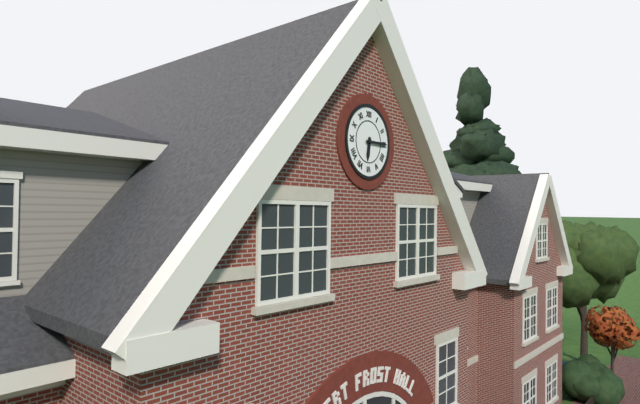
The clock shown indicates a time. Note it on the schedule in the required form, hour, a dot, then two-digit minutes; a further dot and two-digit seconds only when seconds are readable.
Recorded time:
6.15
